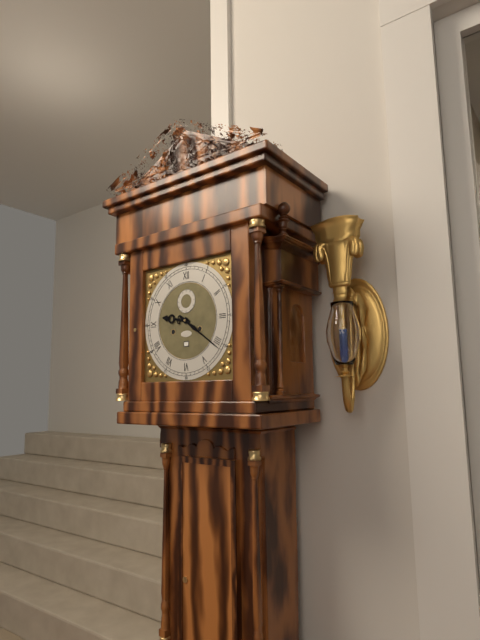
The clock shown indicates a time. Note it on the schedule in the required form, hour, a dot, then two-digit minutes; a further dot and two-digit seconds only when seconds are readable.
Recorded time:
9.21
